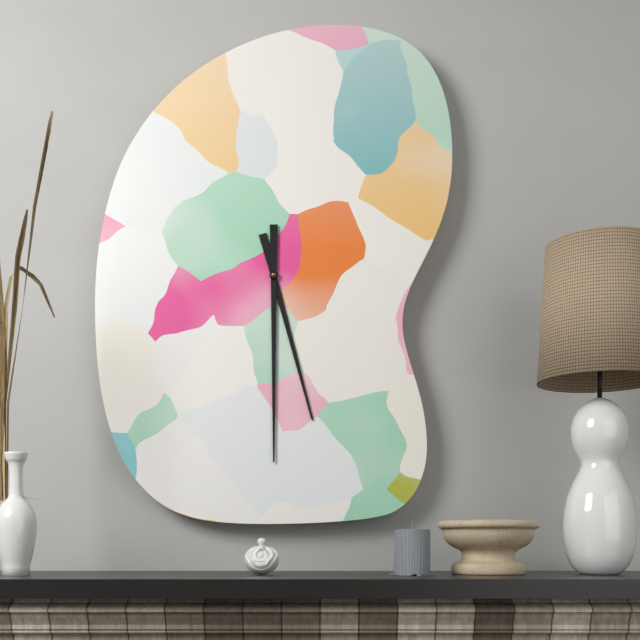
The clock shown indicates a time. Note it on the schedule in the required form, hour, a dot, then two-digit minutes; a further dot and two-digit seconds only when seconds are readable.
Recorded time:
5.30
